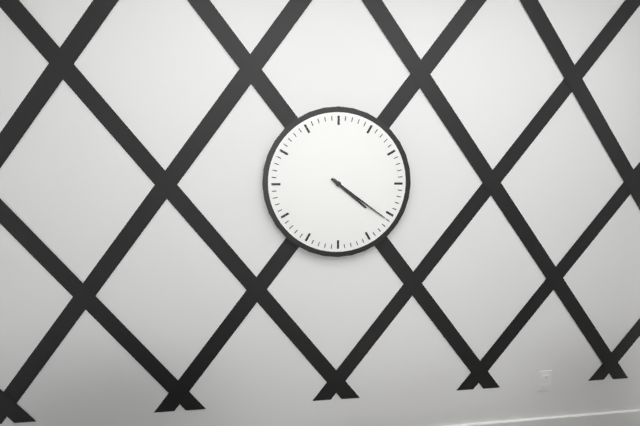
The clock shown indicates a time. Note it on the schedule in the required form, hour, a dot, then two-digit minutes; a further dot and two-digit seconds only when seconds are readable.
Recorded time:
4.21
